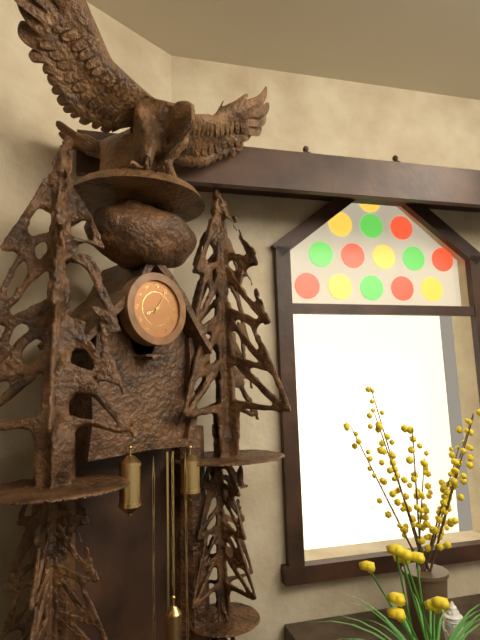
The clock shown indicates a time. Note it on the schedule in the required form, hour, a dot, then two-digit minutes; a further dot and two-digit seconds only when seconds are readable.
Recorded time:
8.05
